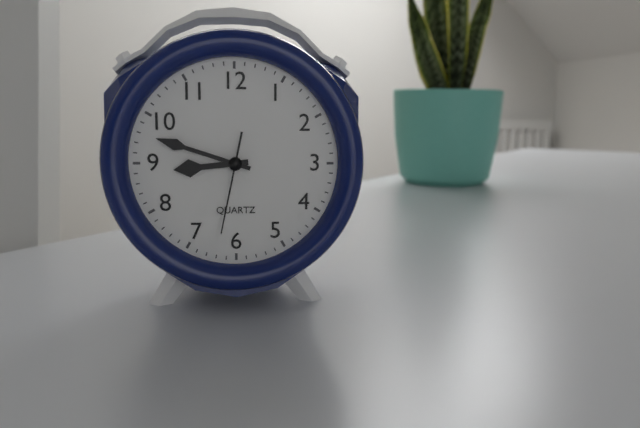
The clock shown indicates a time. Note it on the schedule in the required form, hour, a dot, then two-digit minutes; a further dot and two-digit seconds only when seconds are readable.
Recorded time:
8.48.32
